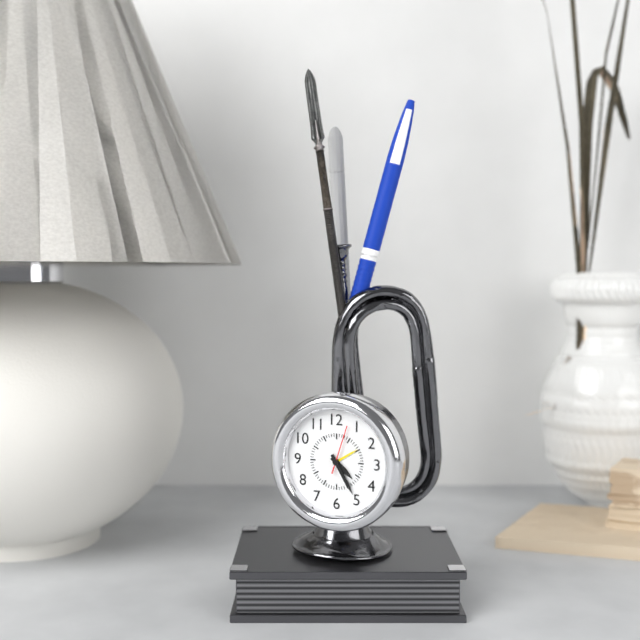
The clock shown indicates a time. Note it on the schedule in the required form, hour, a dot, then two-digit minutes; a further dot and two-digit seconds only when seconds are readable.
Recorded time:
4.25
